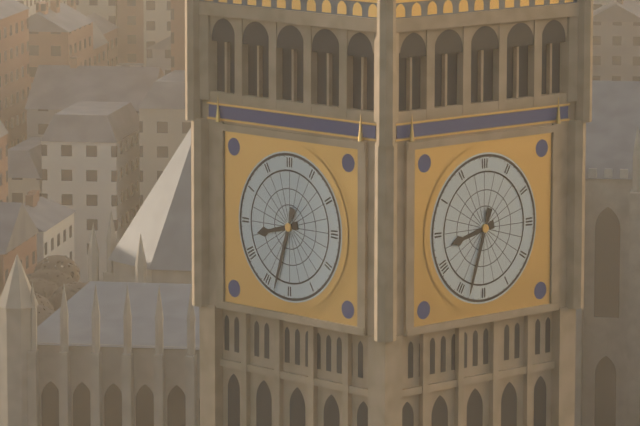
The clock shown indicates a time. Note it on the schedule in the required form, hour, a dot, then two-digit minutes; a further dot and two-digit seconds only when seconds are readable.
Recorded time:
8.33
